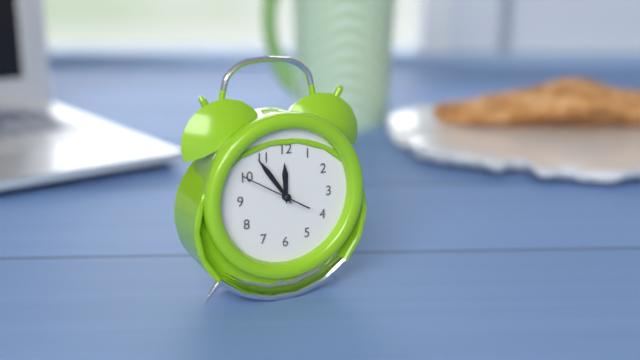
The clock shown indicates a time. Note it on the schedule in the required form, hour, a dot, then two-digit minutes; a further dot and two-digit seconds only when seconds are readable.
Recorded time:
11.54.50
